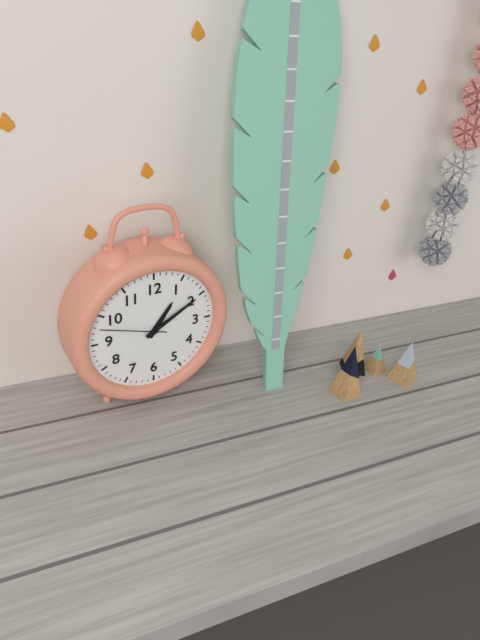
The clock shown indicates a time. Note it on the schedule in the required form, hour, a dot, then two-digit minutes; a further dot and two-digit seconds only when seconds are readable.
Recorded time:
1.10.48
